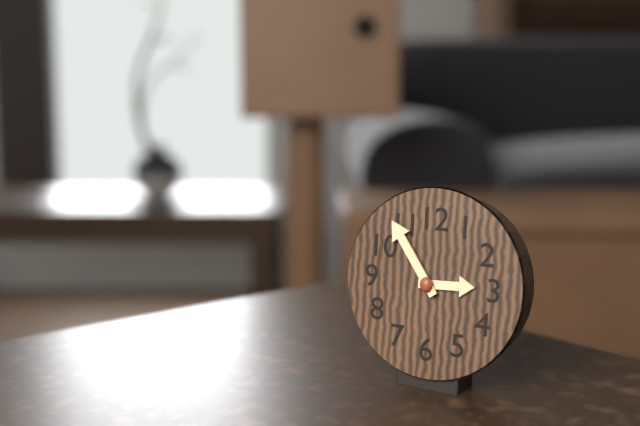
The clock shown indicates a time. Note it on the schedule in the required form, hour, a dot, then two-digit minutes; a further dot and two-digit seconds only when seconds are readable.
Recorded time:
2.54
